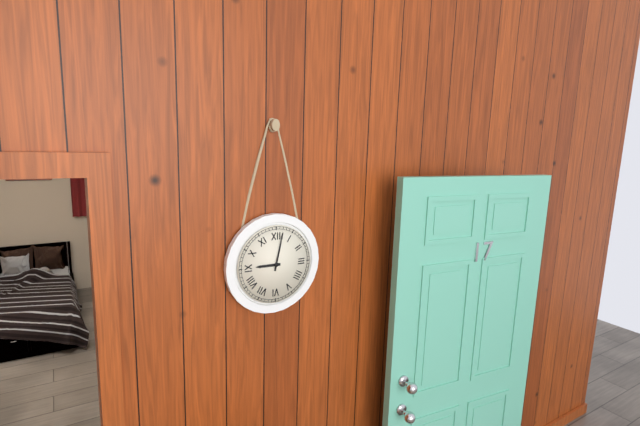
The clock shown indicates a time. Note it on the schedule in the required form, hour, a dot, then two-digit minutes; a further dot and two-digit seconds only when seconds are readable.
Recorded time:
9.02
